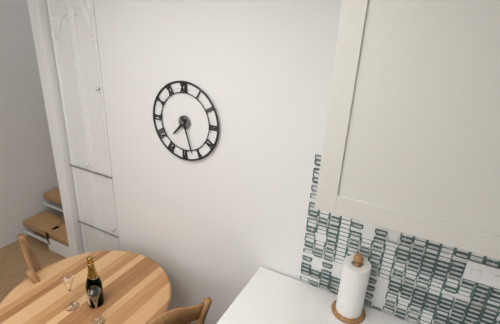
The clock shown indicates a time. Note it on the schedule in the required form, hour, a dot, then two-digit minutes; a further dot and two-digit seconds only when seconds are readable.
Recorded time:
7.27
